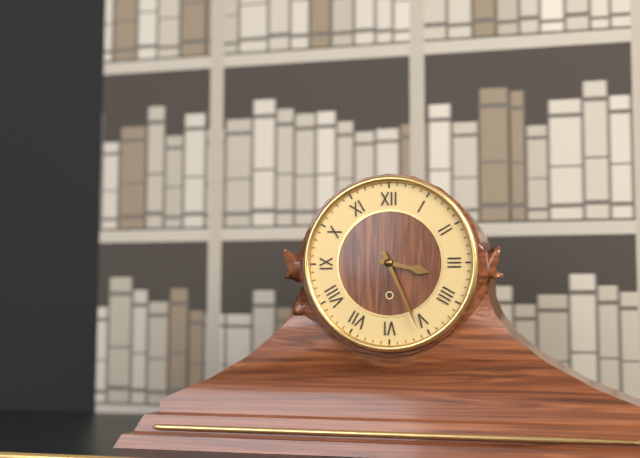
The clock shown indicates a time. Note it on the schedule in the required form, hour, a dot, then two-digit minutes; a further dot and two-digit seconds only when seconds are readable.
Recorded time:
3.26
